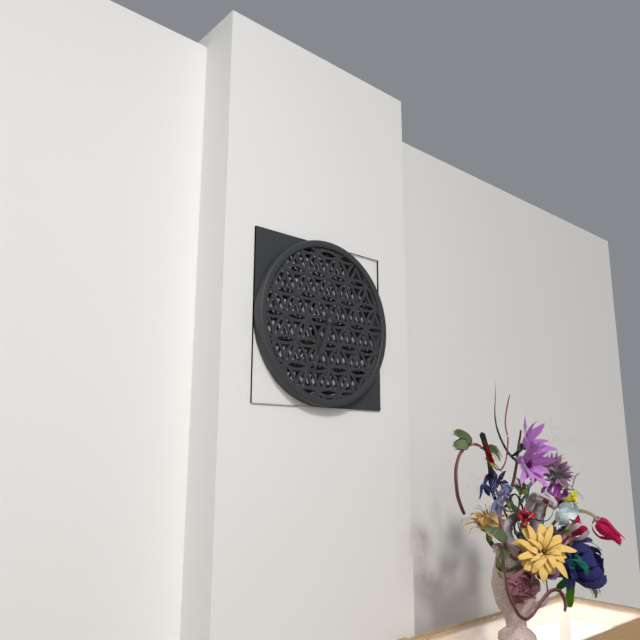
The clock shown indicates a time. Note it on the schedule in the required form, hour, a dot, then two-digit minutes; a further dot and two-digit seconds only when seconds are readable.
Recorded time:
6.34
